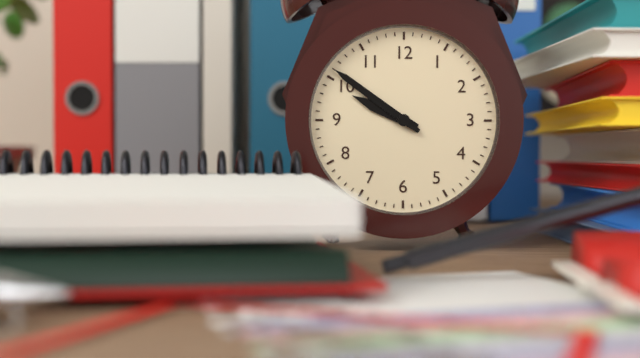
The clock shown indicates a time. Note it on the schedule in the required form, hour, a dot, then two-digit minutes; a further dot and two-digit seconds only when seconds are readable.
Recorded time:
9.51
